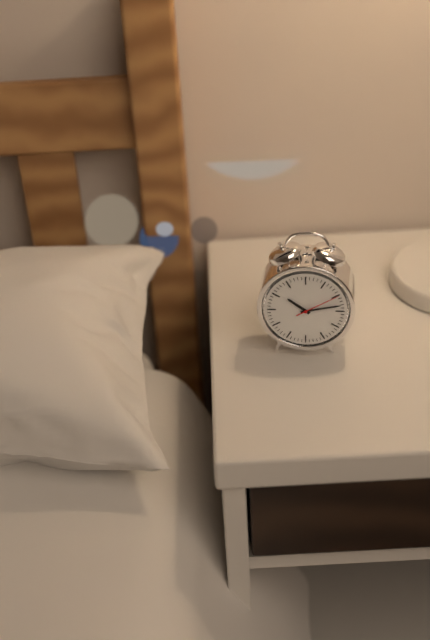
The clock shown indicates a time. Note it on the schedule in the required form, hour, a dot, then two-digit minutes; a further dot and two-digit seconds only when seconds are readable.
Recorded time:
10.13
